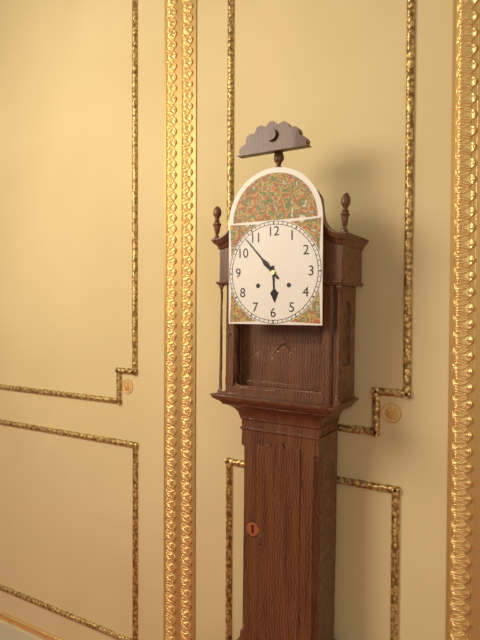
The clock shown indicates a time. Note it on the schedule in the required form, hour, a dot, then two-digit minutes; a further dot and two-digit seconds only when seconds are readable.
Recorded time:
5.53
